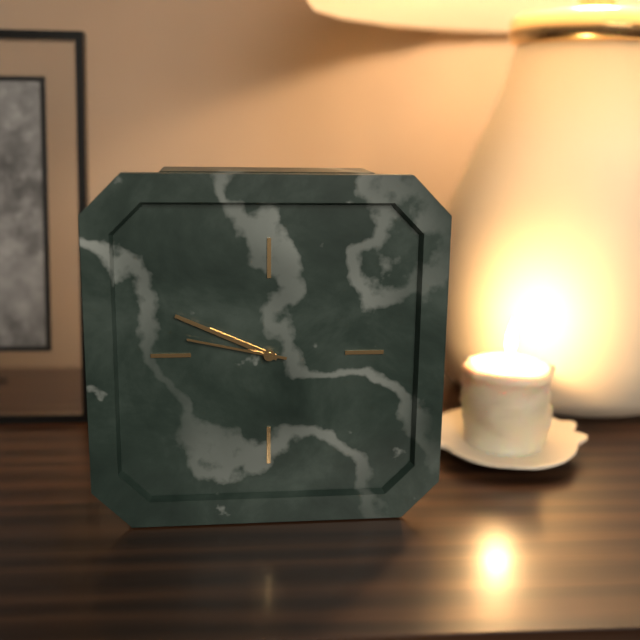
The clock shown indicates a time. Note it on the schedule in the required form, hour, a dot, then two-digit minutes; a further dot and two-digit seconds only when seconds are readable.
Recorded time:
9.49.47
